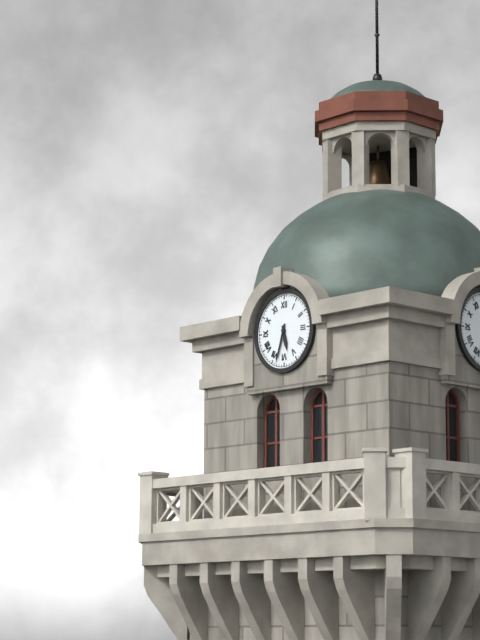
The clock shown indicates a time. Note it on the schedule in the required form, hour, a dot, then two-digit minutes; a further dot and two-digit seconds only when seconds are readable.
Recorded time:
5.33
